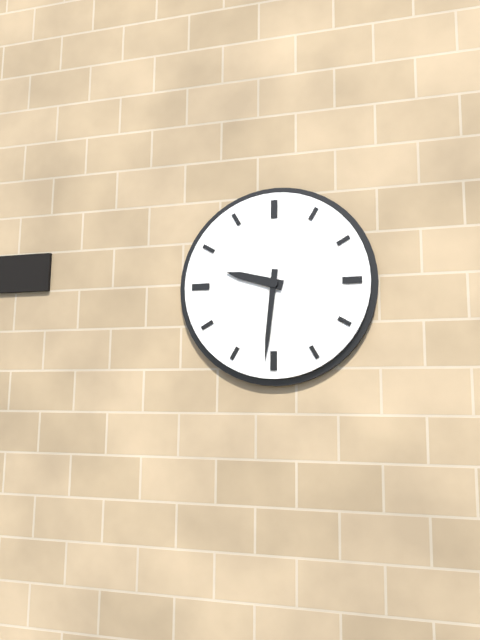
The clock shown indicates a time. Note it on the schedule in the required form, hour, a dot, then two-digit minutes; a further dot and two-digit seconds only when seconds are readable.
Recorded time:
9.31
